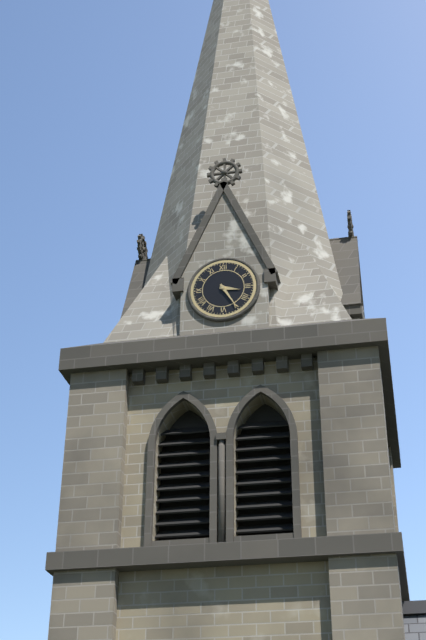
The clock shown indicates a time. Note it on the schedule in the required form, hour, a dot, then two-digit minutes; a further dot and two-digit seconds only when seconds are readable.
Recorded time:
3.25
